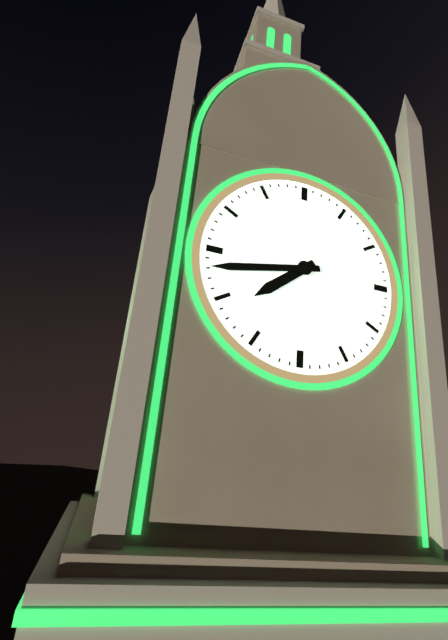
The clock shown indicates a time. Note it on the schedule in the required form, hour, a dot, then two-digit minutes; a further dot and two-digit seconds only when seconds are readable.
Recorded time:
7.43
